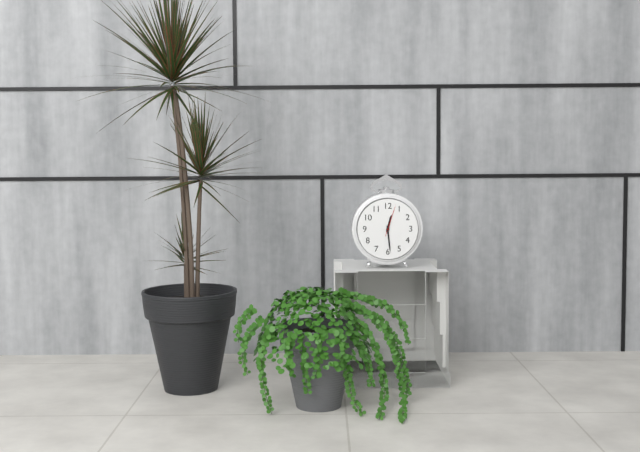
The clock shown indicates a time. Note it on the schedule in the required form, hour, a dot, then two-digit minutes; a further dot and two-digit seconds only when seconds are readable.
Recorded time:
12.29
